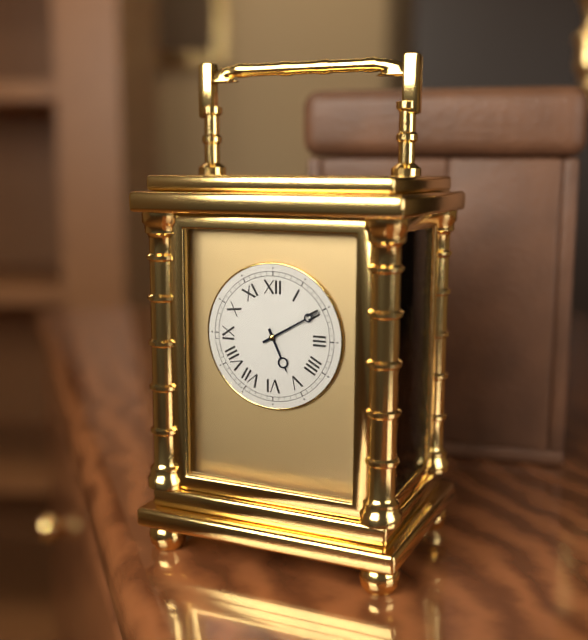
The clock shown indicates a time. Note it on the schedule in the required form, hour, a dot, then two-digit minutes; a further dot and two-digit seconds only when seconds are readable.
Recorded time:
5.10
